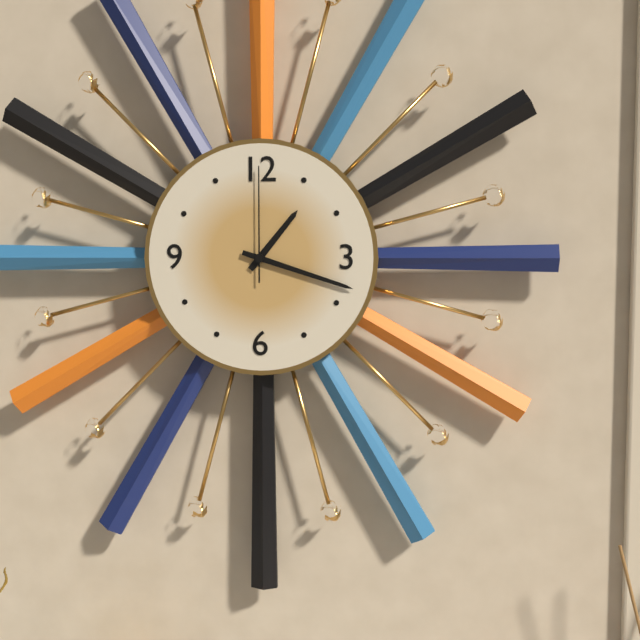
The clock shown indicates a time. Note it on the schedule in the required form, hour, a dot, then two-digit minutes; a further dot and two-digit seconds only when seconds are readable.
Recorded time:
1.18.00
